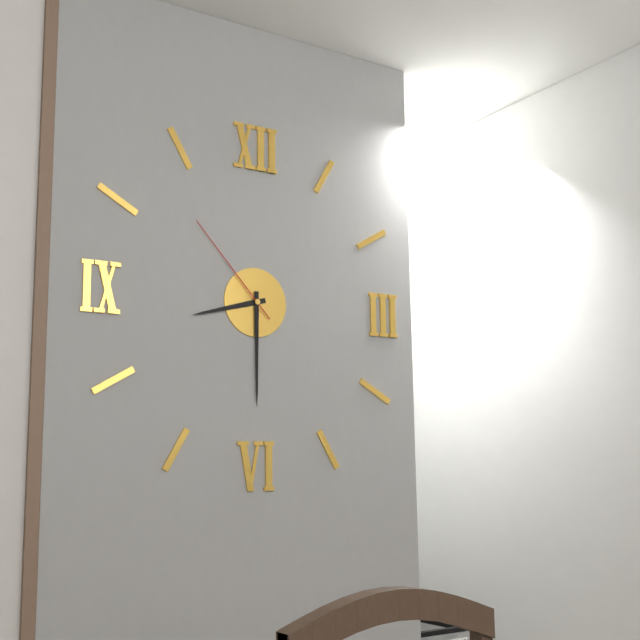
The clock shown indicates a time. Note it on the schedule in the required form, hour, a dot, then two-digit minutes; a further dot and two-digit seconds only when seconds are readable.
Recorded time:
8.30.53
